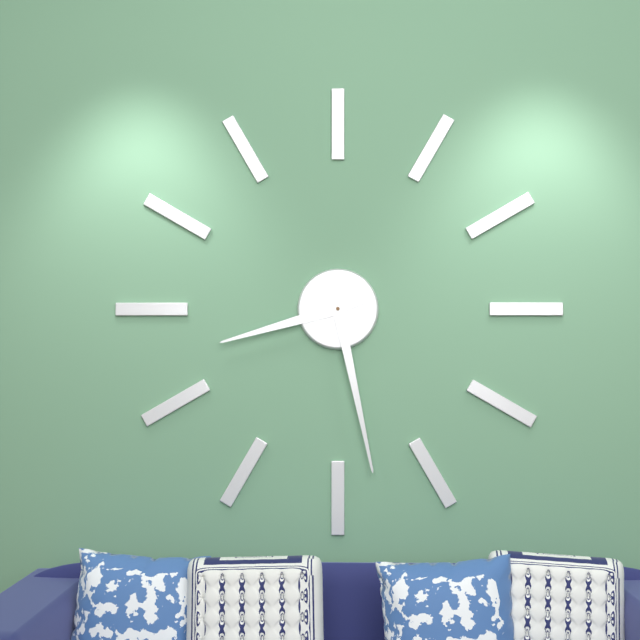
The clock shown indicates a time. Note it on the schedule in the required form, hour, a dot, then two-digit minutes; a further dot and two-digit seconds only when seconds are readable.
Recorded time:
8.28
